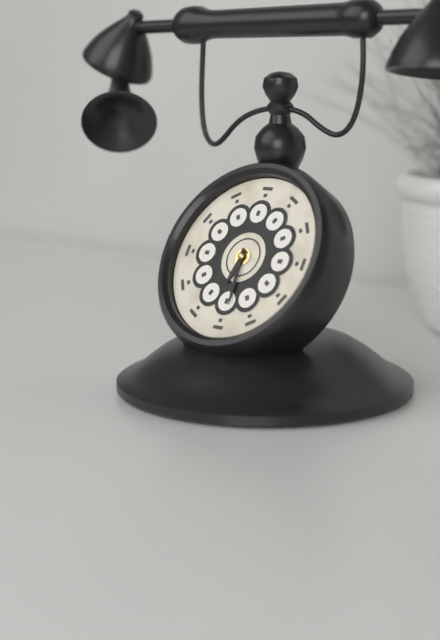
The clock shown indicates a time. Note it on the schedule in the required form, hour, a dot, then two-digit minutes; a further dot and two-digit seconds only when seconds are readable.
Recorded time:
6.29
